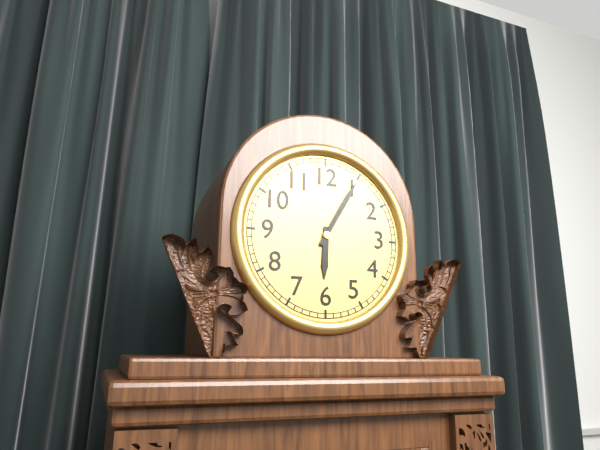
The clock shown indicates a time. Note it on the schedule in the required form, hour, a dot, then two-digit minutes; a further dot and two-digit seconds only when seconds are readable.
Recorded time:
6.05
